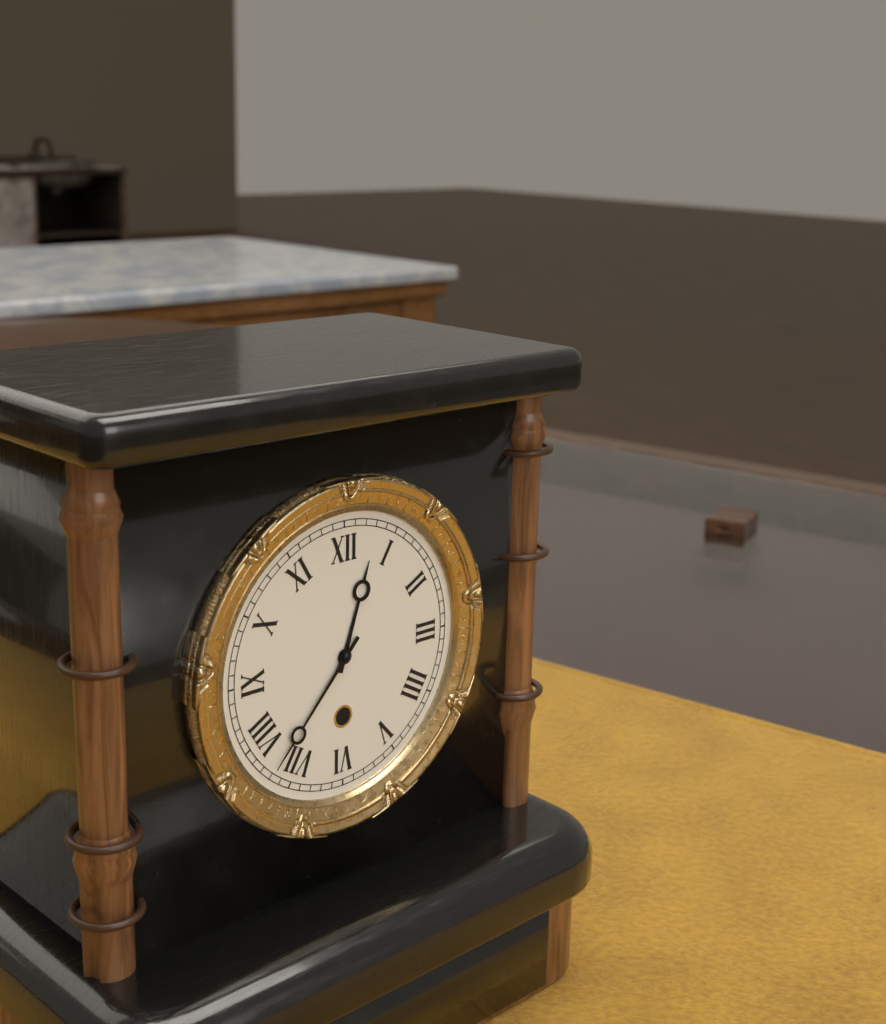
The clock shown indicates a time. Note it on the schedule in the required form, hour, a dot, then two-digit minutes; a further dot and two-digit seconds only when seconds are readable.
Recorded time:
12.37
